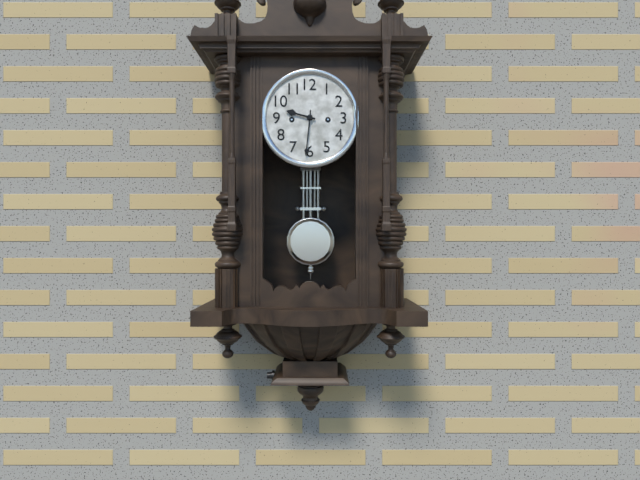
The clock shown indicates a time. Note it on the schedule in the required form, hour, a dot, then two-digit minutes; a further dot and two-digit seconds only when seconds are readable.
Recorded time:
9.31
